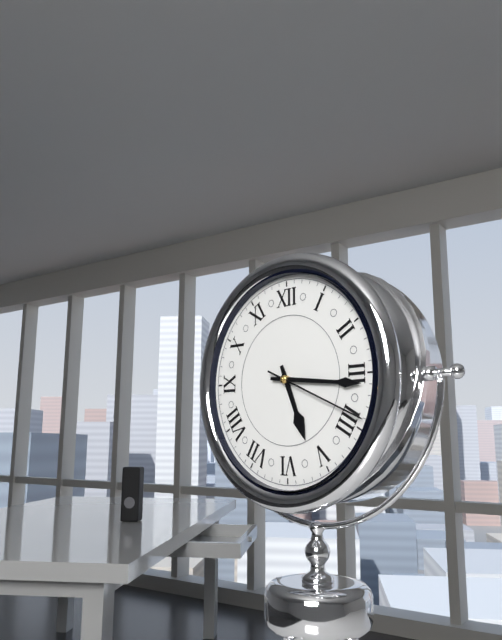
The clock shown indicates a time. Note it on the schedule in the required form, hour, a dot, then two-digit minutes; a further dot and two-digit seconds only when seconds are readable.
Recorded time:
5.16.19
